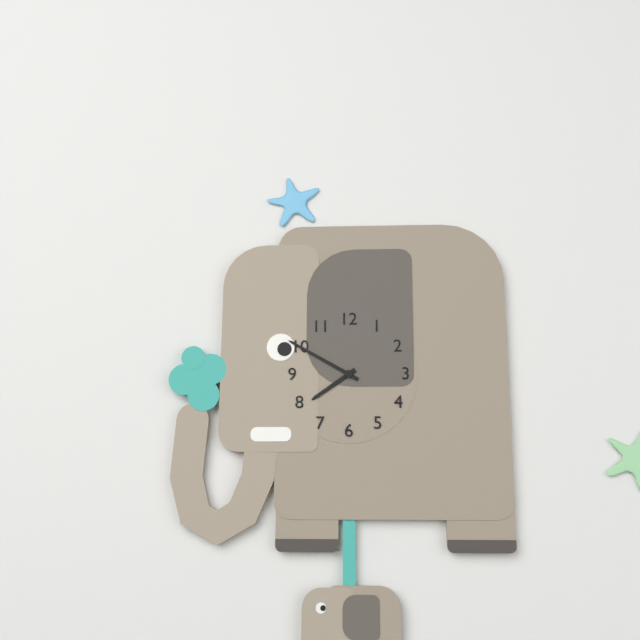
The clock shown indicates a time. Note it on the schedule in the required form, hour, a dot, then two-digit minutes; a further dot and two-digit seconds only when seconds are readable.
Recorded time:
7.50
